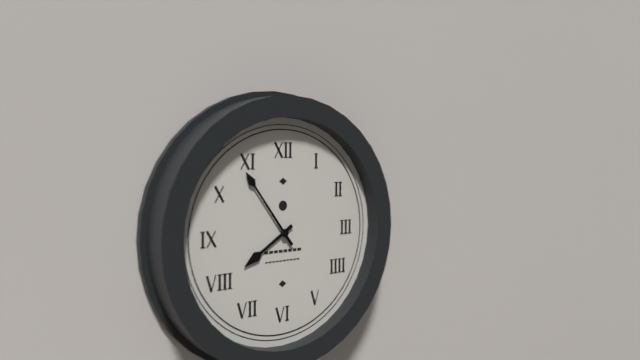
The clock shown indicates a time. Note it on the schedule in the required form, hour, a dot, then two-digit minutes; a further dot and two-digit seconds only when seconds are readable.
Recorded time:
7.54
